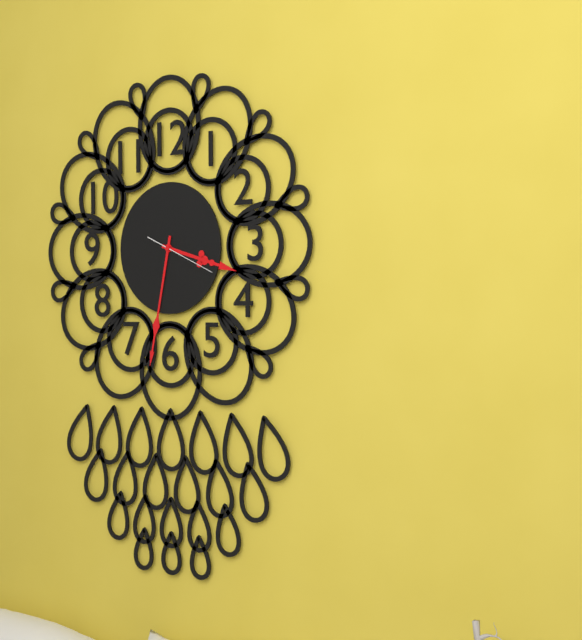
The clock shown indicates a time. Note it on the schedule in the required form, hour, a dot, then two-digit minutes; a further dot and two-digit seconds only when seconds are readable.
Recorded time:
3.32.19
